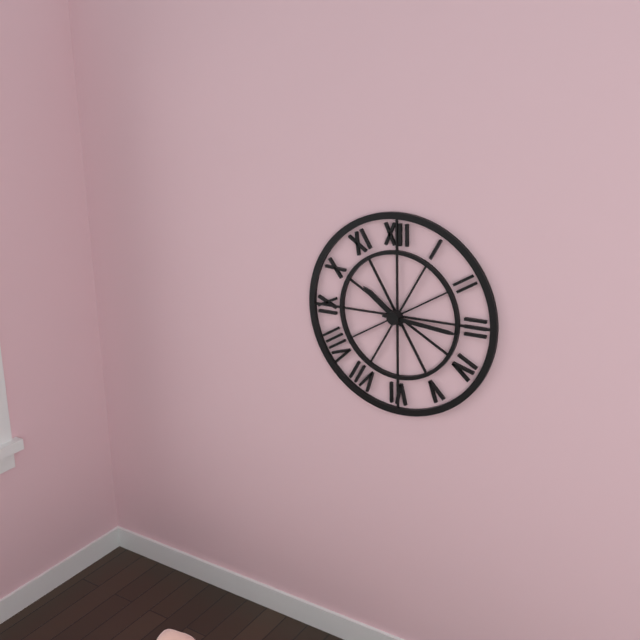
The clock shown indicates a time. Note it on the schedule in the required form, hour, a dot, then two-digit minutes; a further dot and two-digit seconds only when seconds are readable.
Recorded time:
10.16
